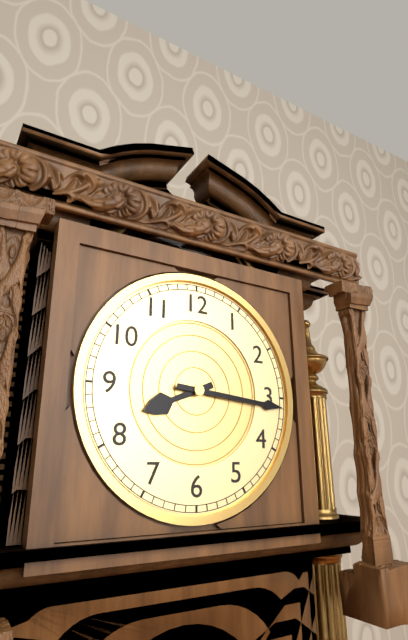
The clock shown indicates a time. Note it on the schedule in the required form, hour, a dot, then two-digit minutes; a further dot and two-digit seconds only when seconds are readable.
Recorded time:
8.16
